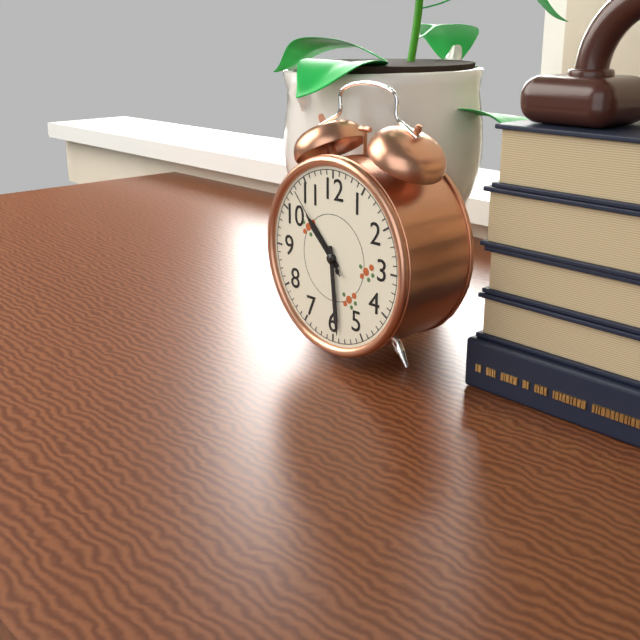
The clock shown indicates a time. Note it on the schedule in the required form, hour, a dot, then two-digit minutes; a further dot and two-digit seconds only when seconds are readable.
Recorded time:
10.29.53
